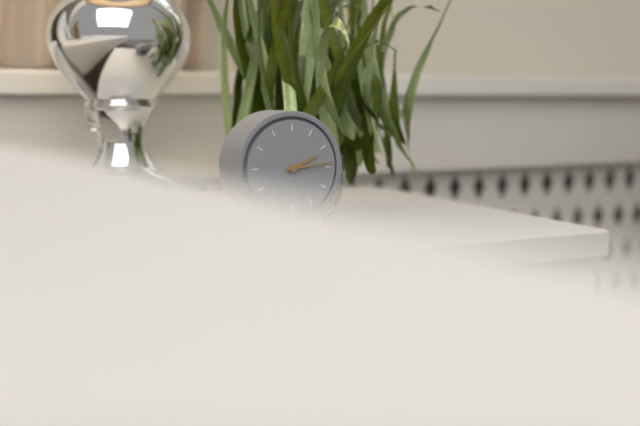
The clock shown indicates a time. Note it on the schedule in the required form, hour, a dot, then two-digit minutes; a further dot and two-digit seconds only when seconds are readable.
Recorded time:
2.14
